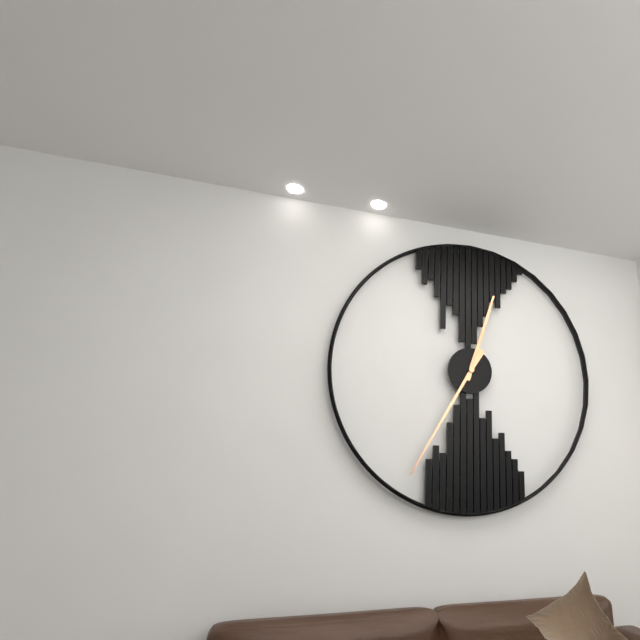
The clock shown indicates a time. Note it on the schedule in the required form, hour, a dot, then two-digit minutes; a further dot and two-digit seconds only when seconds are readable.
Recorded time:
12.35
